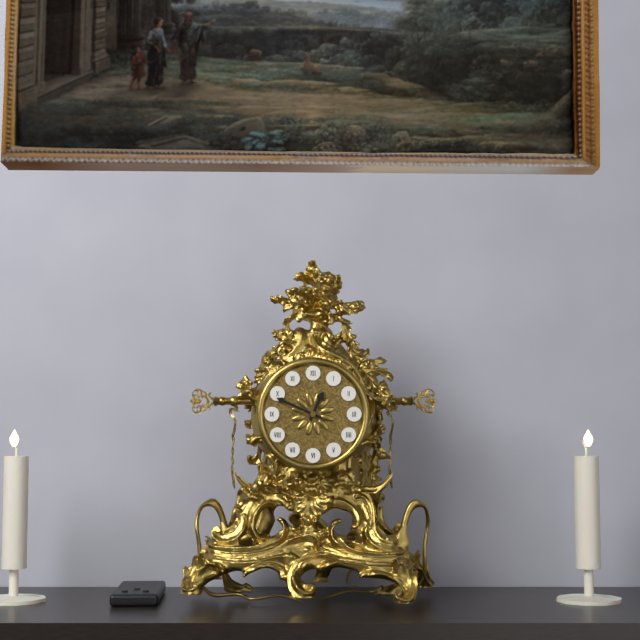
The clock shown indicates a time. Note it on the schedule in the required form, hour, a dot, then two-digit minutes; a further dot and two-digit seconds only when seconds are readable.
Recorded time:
12.49
